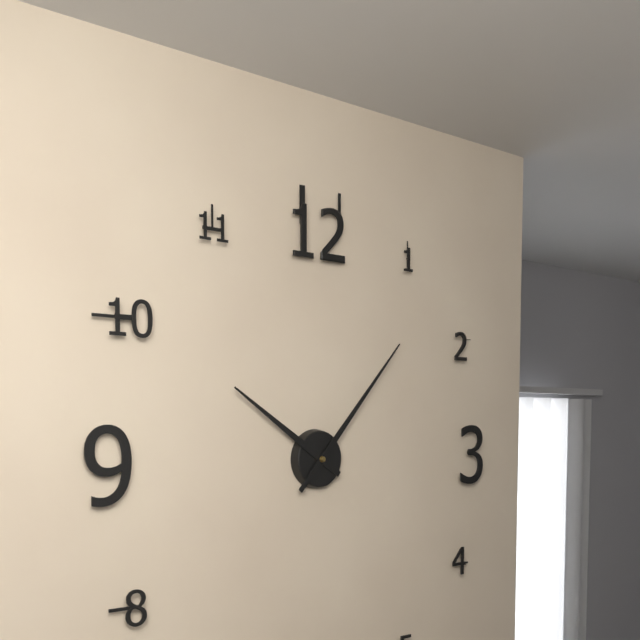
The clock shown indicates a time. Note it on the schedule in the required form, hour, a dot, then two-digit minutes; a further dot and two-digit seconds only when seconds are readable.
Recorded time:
10.07
